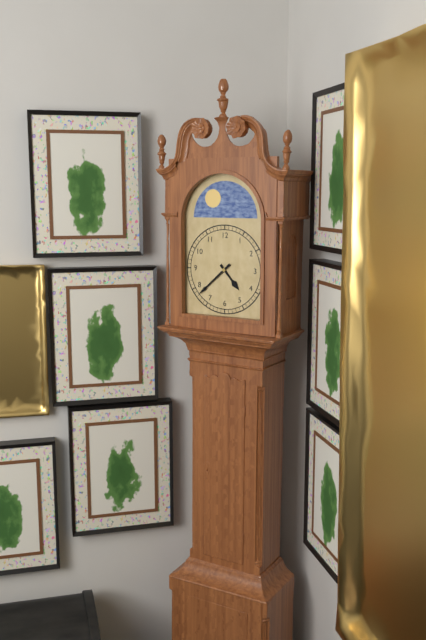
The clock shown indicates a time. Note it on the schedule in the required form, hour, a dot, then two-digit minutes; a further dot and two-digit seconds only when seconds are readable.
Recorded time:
4.38
